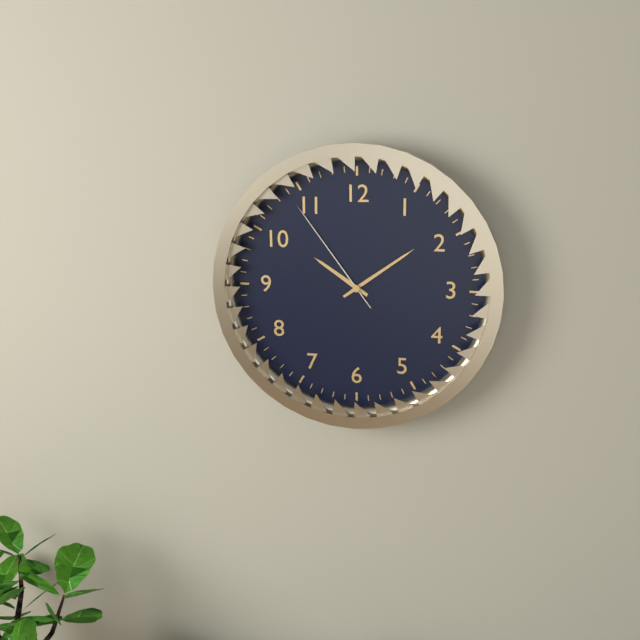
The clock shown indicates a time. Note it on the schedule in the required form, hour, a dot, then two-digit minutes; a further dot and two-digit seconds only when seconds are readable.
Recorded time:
10.09.54
